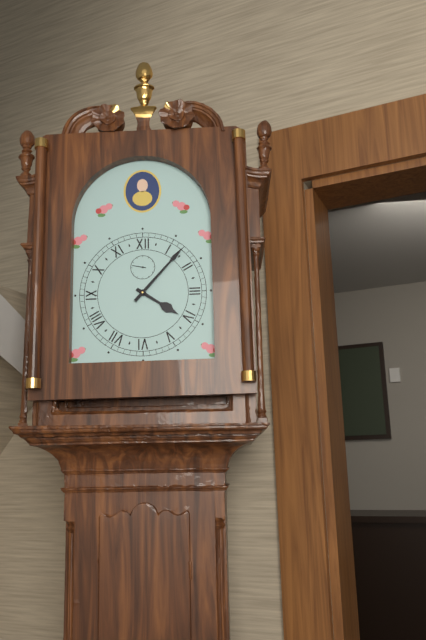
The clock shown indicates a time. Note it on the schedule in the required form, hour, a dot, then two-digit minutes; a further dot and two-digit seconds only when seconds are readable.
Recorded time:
4.07
